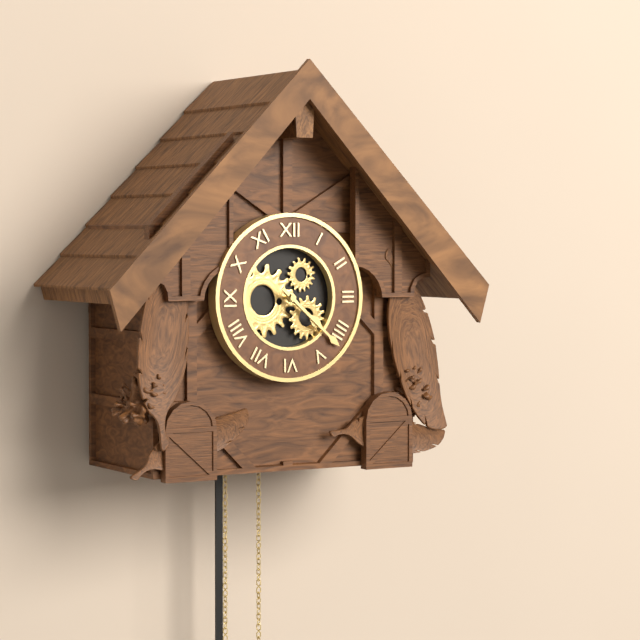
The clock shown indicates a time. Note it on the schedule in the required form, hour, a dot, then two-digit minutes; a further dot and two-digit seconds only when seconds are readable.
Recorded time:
4.22
